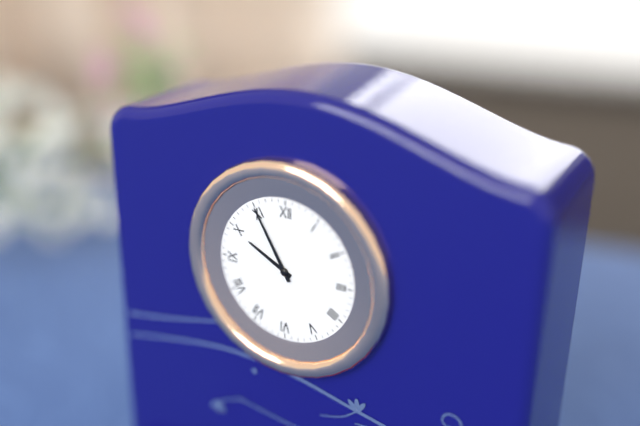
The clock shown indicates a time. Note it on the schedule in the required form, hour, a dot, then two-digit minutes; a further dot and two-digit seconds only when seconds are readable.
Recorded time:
9.55
